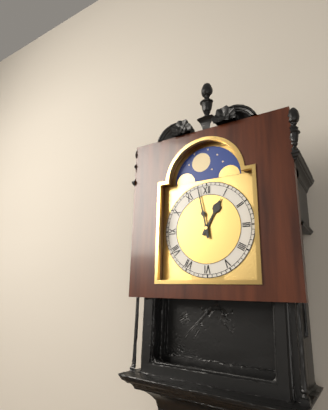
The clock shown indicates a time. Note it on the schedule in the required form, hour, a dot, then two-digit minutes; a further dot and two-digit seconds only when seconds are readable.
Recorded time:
12.58
